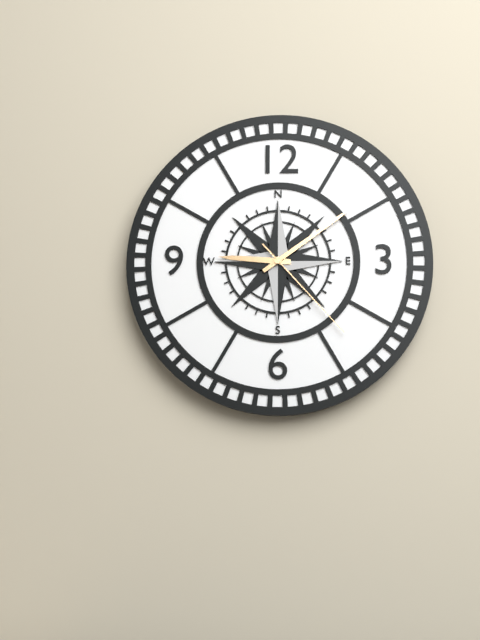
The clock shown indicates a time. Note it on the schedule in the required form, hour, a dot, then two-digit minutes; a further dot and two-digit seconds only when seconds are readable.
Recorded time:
9.09.23
